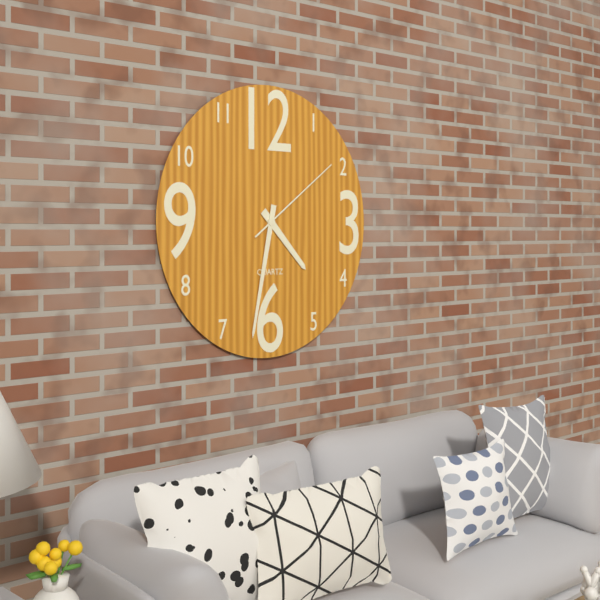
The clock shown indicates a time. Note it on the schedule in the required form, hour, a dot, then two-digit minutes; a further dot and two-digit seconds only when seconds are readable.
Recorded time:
4.32.09
